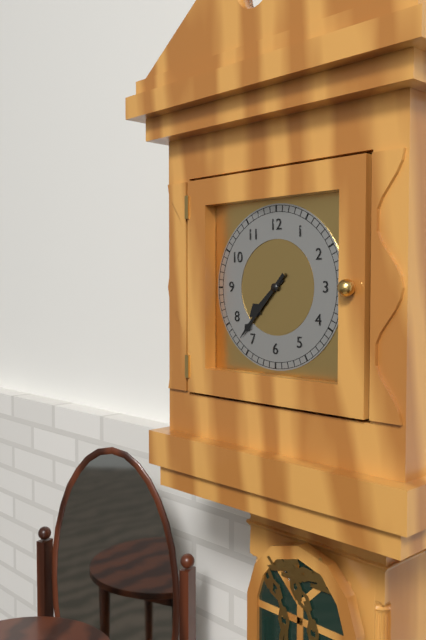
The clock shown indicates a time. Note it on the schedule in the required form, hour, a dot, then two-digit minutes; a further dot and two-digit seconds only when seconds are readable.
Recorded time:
7.37
